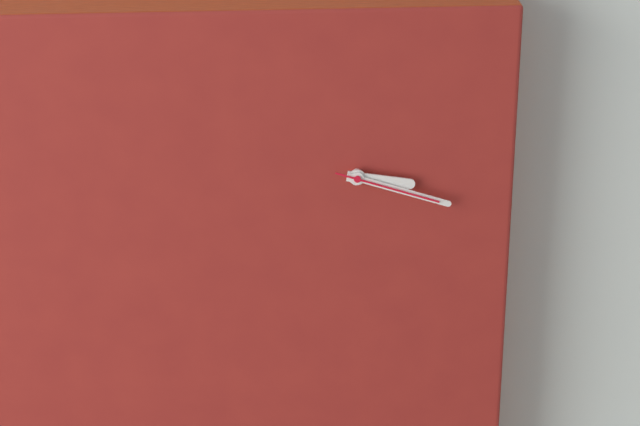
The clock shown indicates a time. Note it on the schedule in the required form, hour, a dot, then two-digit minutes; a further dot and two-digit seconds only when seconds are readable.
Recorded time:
3.18.18
